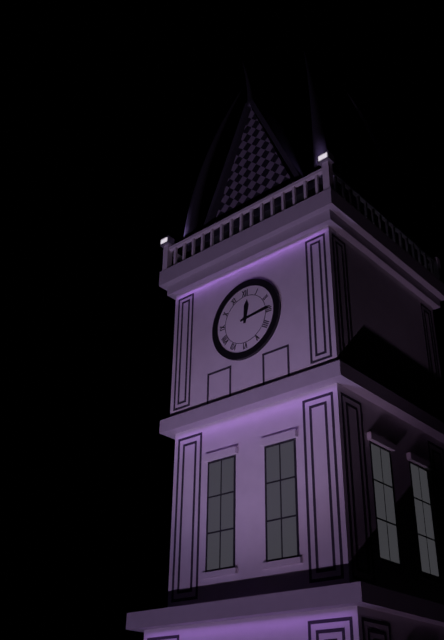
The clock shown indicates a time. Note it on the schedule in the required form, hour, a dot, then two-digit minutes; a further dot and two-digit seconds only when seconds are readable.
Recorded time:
12.14
